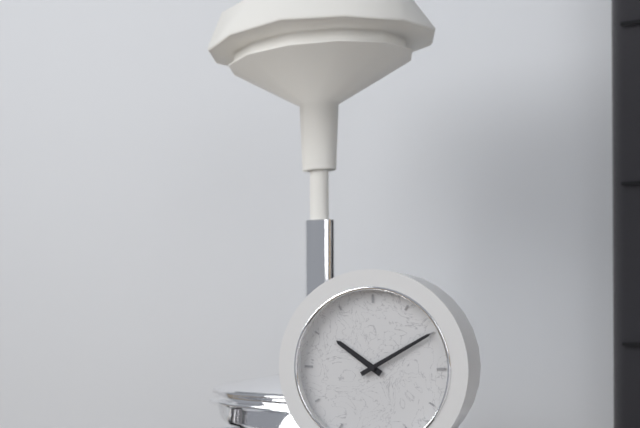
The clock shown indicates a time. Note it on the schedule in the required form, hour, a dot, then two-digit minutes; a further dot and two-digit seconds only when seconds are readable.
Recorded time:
10.10
